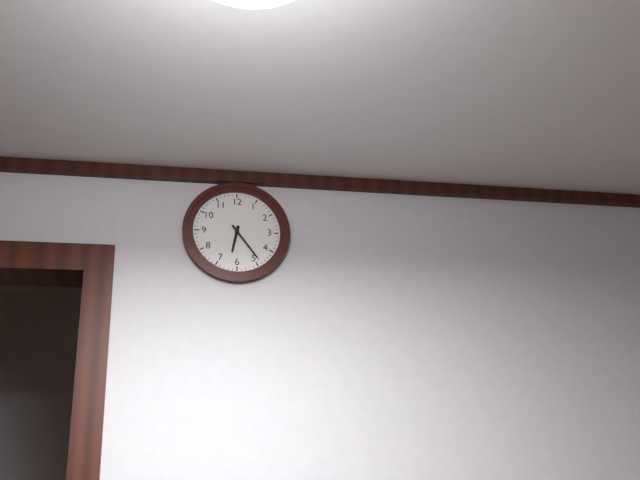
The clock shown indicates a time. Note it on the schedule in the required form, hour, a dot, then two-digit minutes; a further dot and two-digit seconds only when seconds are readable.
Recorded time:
6.24
